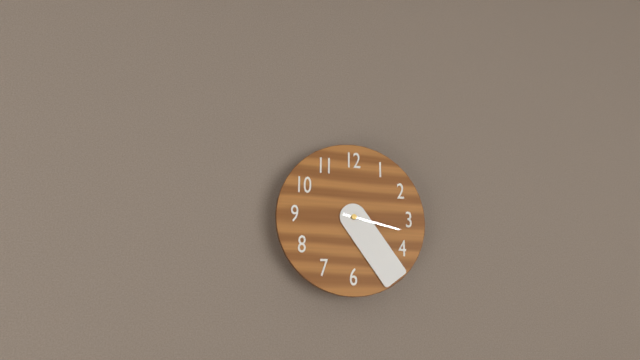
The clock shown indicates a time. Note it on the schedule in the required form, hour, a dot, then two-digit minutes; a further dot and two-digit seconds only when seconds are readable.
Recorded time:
3.24
